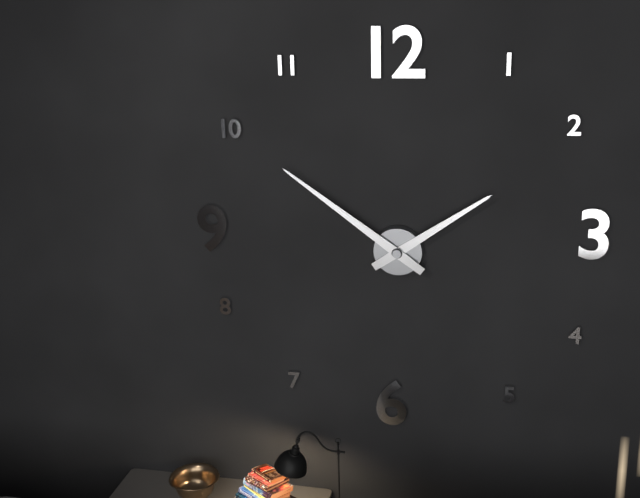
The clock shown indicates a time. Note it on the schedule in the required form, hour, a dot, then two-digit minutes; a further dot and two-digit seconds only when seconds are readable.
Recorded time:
1.51
